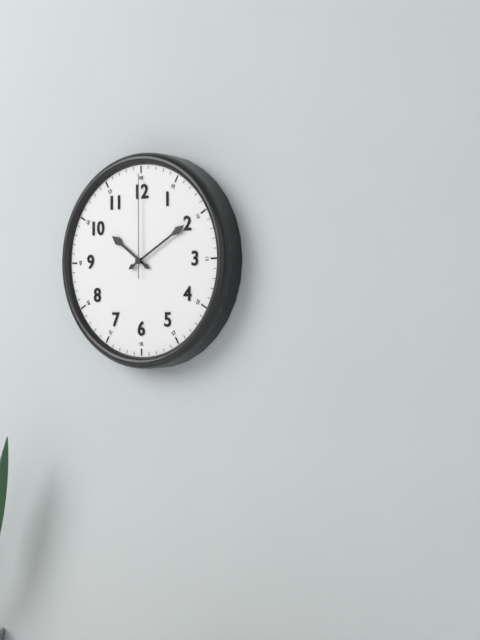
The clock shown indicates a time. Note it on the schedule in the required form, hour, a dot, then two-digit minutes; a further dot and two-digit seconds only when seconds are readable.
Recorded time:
10.10.00
